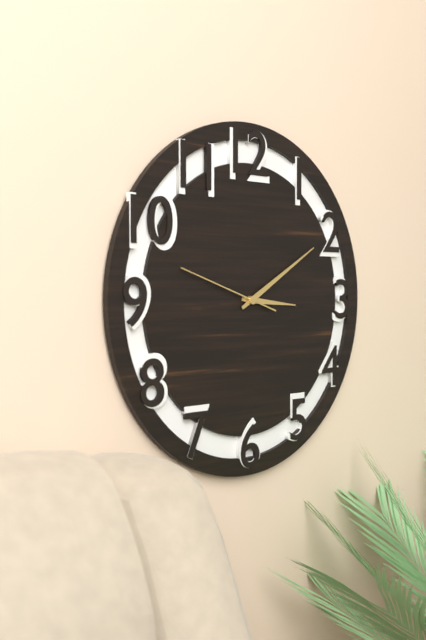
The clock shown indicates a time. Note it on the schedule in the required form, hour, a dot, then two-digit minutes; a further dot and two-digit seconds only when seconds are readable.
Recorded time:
3.10.48
